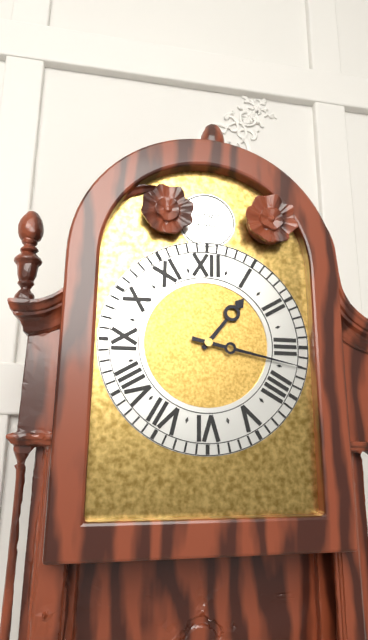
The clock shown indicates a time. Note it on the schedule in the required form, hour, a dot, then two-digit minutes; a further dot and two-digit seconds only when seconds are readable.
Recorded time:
1.17
